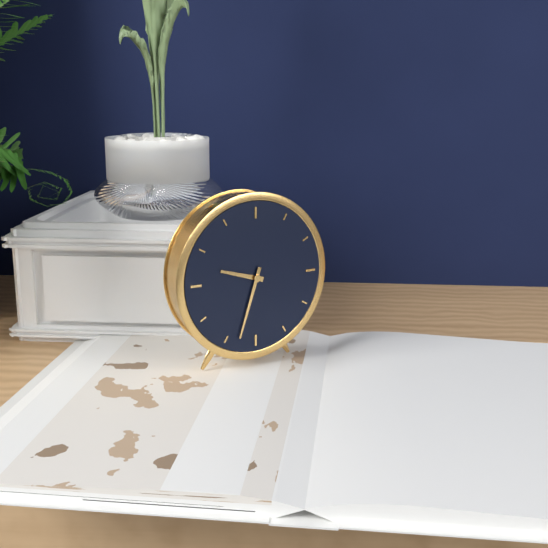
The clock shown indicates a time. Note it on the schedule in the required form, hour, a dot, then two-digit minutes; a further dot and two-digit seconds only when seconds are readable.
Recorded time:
9.33
